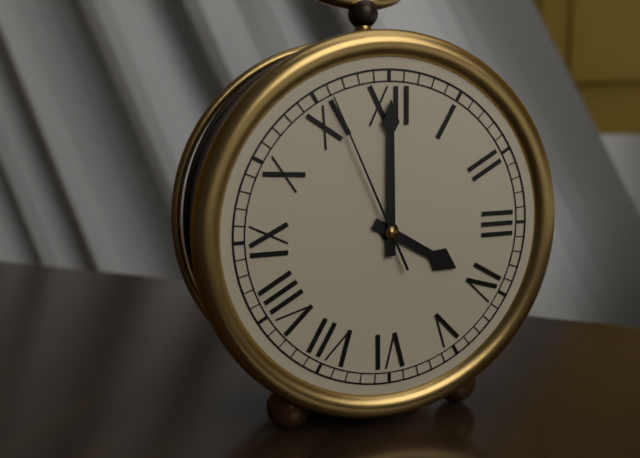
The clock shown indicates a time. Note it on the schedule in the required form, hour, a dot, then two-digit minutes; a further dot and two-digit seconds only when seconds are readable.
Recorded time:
4.00.56
